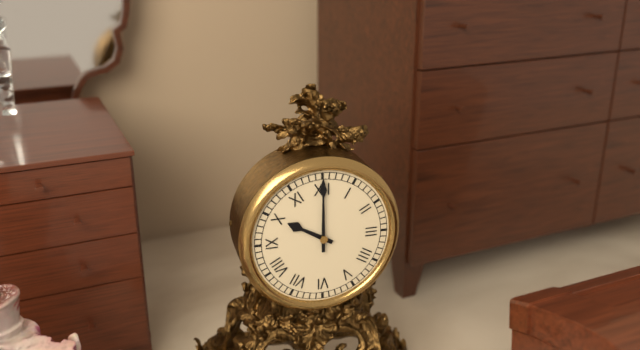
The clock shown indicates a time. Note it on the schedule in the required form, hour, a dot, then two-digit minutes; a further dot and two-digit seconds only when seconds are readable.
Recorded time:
10.00
